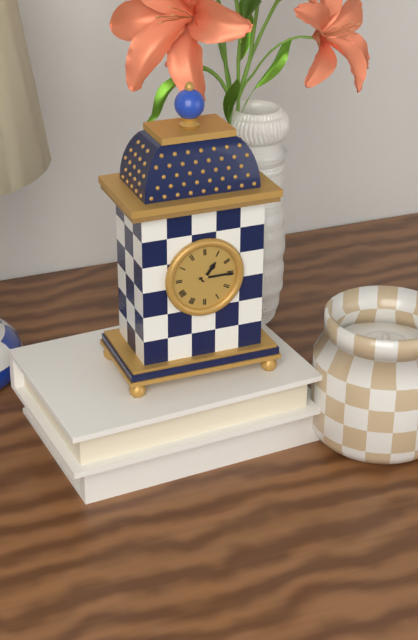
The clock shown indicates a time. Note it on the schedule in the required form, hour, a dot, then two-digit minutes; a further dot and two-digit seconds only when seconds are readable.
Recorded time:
1.15
